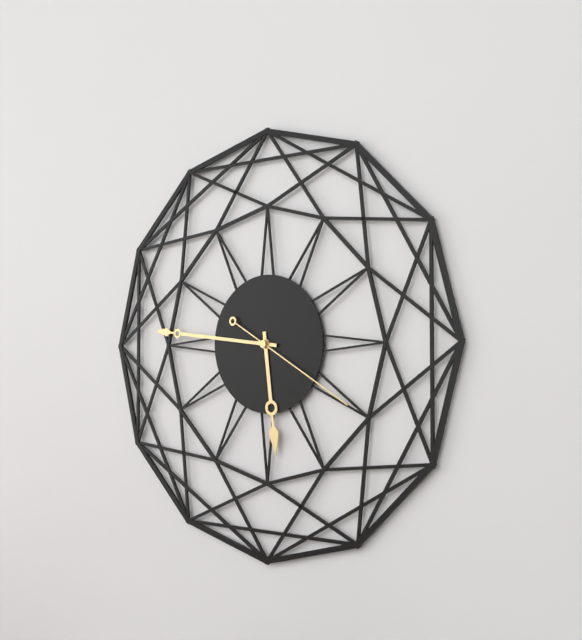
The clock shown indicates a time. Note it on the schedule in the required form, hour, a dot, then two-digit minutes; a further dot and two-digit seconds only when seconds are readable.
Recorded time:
5.46.20
